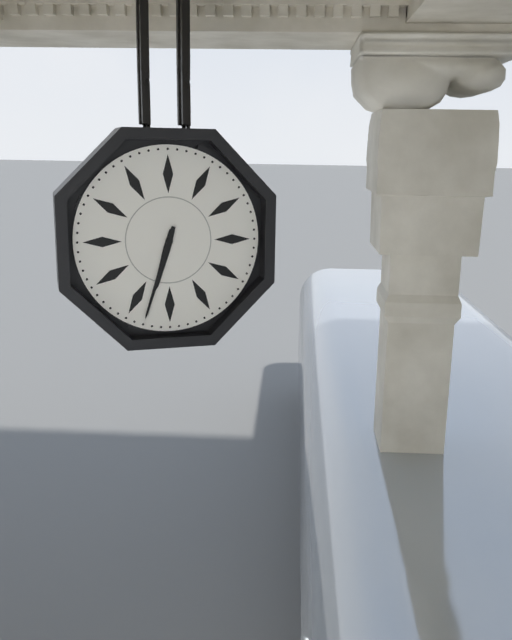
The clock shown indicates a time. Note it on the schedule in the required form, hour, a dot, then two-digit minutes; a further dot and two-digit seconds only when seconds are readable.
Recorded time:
6.33
